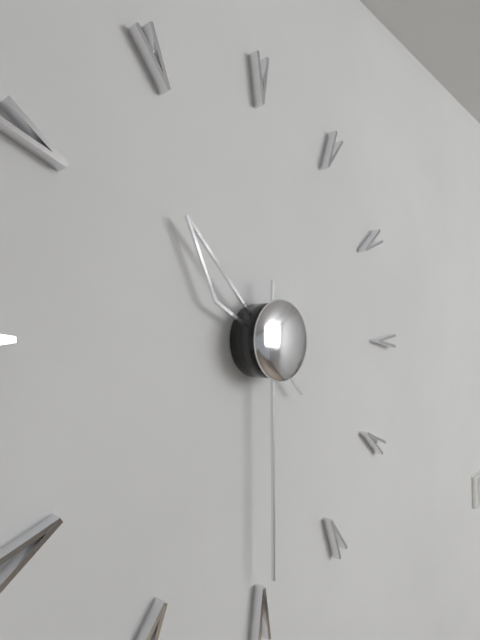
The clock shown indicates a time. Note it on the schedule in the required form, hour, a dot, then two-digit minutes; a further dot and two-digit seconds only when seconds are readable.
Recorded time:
10.30
